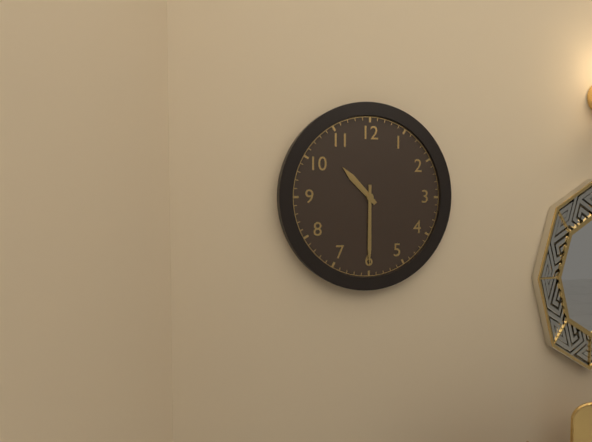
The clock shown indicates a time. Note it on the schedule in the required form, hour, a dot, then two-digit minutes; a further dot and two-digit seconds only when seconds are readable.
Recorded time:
10.30
